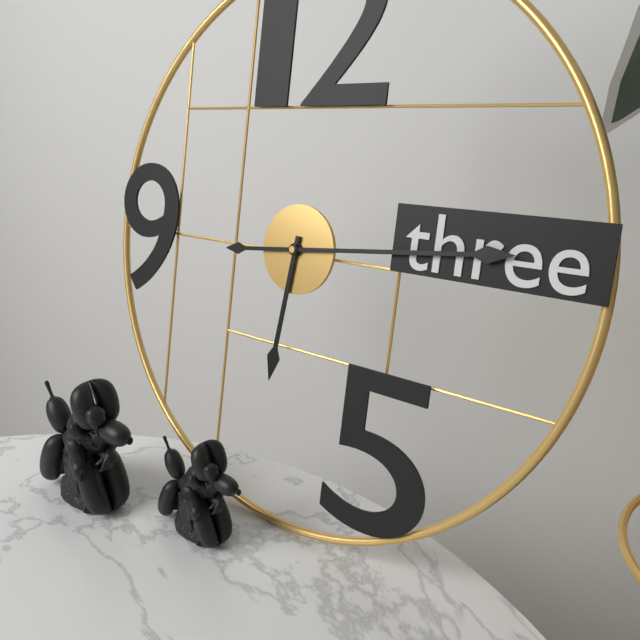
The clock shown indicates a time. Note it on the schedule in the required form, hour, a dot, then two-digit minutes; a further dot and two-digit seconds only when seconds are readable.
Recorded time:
6.14
